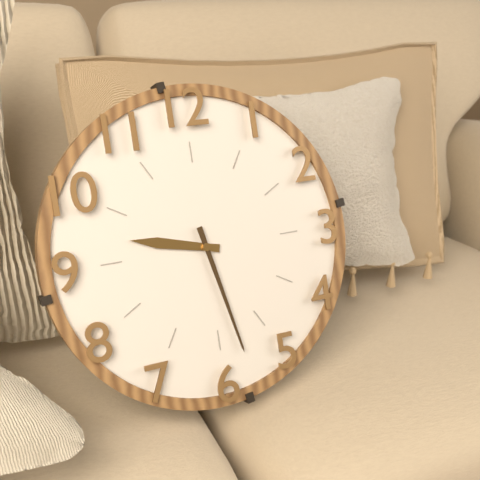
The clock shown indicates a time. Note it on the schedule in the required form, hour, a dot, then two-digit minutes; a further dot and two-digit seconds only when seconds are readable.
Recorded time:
9.28
